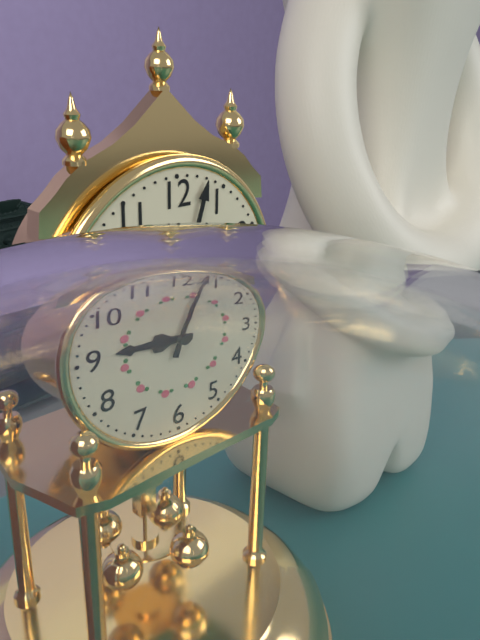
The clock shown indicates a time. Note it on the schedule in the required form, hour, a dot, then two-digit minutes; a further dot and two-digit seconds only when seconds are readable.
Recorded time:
9.03
